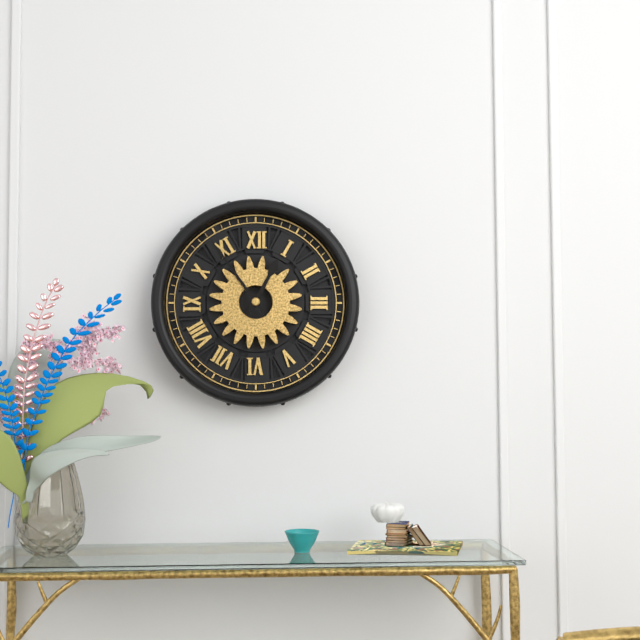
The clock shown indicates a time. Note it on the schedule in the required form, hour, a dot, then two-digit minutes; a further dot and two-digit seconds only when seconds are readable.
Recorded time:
12.54
